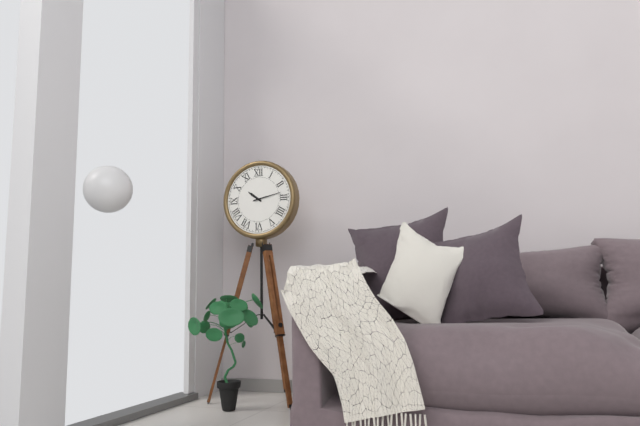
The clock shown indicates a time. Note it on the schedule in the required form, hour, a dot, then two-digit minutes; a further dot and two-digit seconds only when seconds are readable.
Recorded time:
10.13
